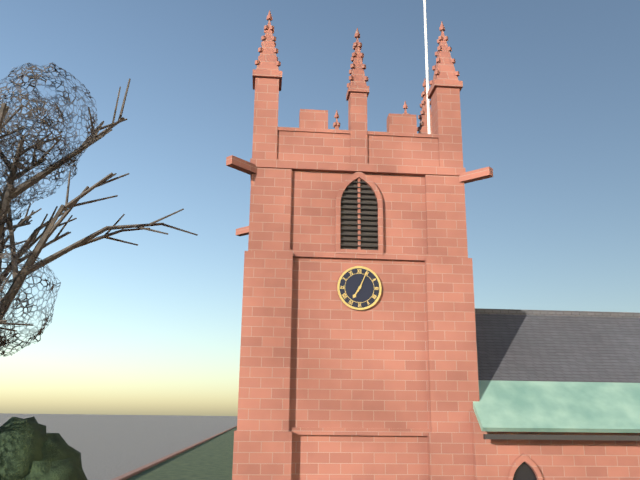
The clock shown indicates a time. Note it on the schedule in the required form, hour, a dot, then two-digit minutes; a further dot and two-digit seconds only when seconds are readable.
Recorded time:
7.04
